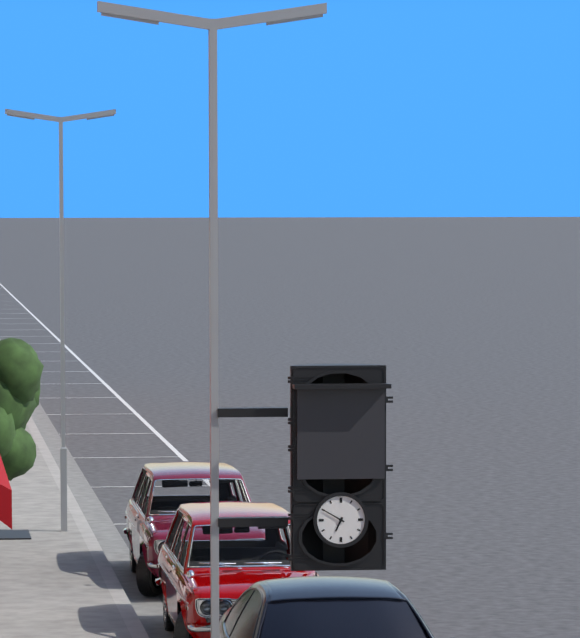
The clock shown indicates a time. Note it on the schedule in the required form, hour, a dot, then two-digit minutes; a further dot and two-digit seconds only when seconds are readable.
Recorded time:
6.50
